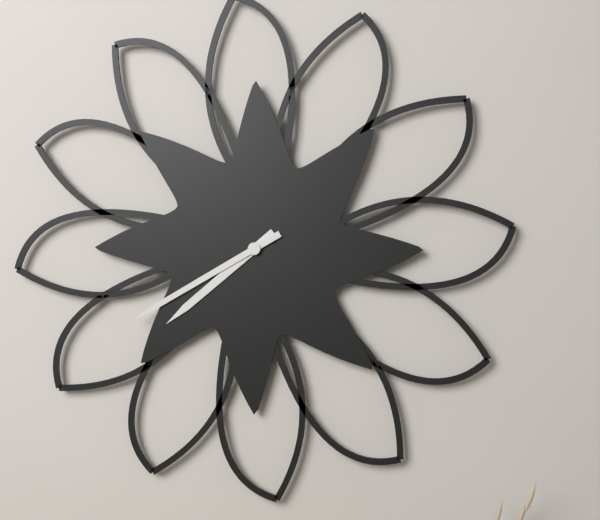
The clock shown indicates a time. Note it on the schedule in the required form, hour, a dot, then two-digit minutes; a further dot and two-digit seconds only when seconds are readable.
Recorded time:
7.40
